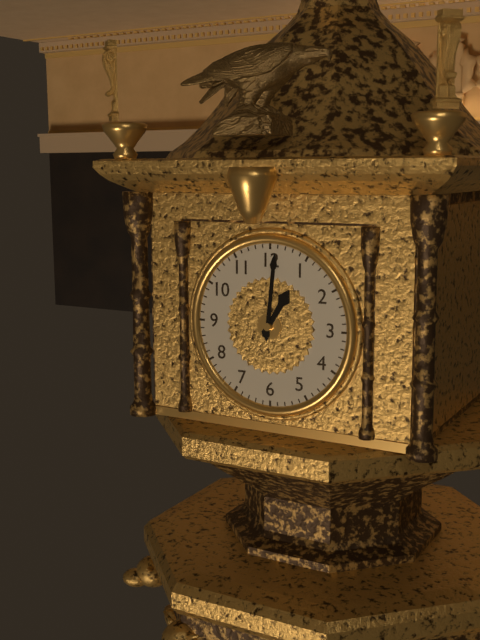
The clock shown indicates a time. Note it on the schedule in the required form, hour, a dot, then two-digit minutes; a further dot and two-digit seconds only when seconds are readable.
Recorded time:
1.01
